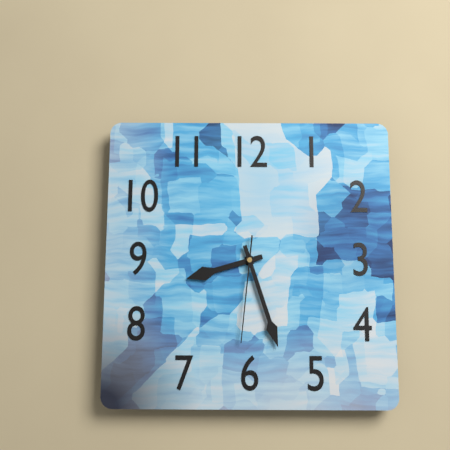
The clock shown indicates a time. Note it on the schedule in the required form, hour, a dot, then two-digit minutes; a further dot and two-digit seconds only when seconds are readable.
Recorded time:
8.27.31
